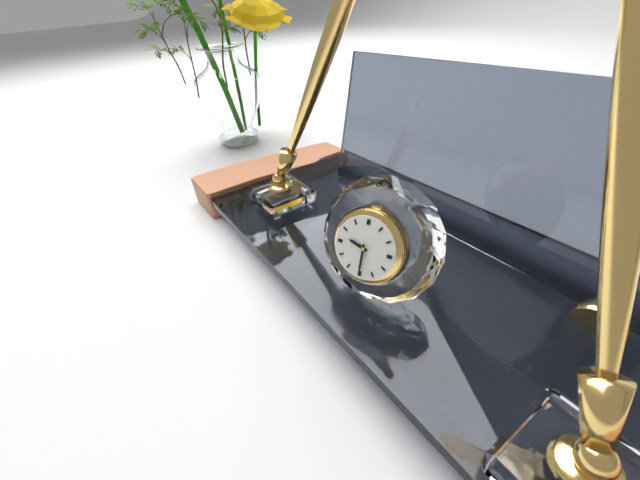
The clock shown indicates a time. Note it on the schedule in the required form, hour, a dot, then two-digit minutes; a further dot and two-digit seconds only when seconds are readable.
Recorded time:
9.30
